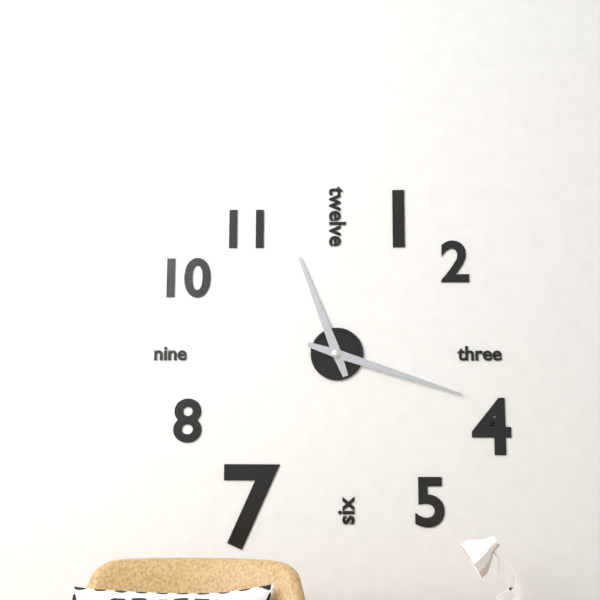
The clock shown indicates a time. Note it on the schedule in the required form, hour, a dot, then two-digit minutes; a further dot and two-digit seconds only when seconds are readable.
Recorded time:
11.18
